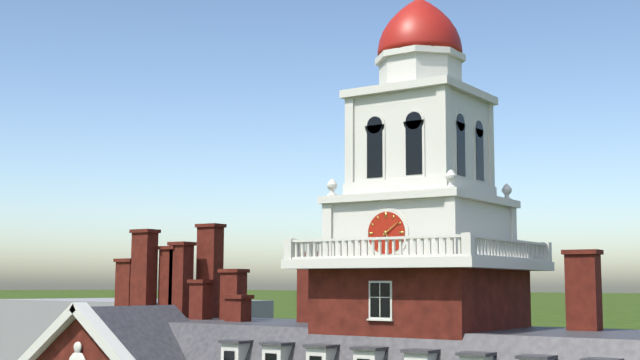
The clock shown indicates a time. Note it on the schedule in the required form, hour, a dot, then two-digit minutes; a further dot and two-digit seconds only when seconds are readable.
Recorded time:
5.09
